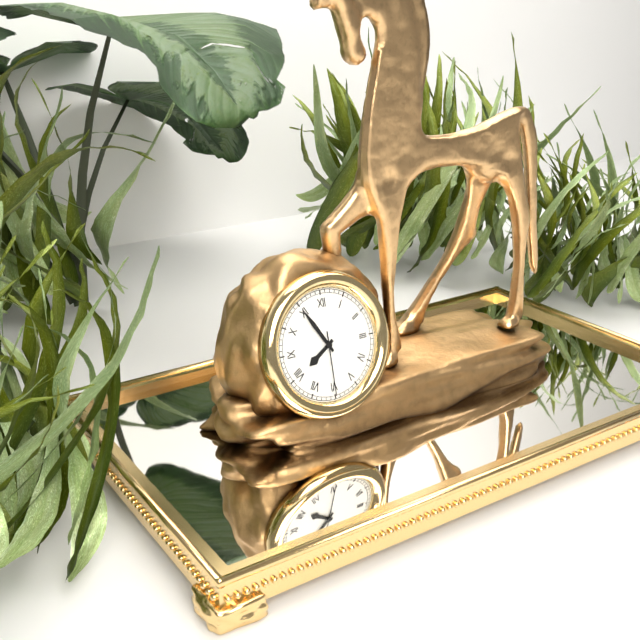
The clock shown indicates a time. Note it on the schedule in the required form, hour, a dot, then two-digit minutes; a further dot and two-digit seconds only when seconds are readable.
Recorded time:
7.55.30
